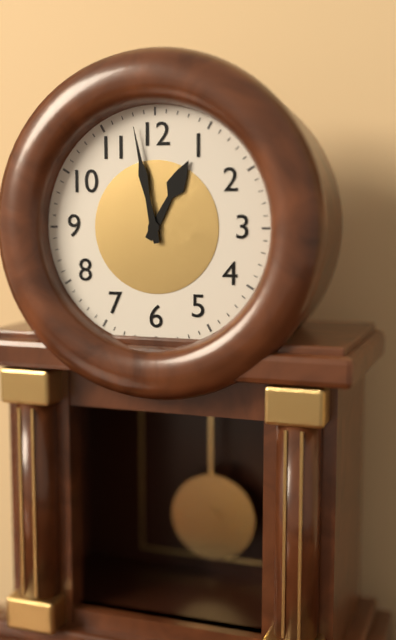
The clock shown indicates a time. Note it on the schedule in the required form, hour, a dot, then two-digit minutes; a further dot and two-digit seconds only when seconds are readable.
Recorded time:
12.58
